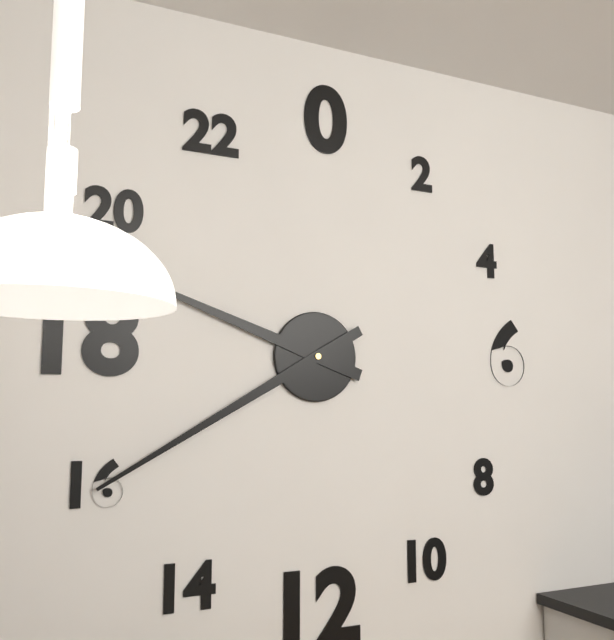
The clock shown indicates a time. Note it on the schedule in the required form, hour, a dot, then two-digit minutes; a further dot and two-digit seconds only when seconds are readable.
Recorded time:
9.40
